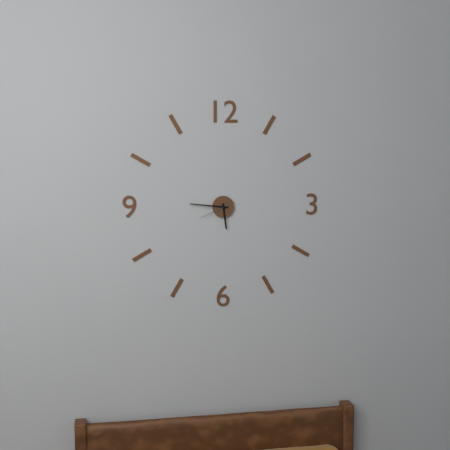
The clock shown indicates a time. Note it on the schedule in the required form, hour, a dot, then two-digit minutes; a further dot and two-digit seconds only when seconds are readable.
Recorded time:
5.46
